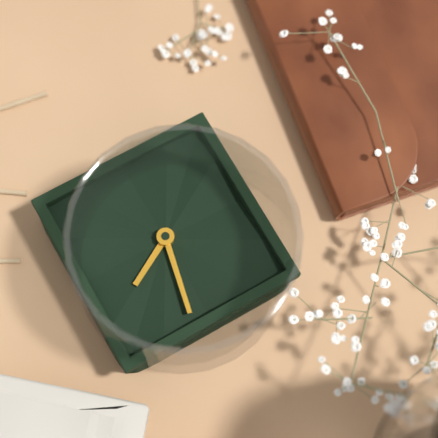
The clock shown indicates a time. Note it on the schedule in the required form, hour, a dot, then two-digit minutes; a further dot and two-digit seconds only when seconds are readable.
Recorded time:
2.02
